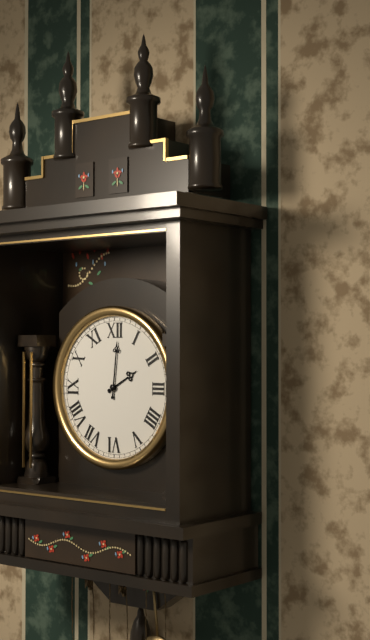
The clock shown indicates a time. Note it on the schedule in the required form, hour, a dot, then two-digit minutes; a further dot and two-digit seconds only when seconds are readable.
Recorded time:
2.01
